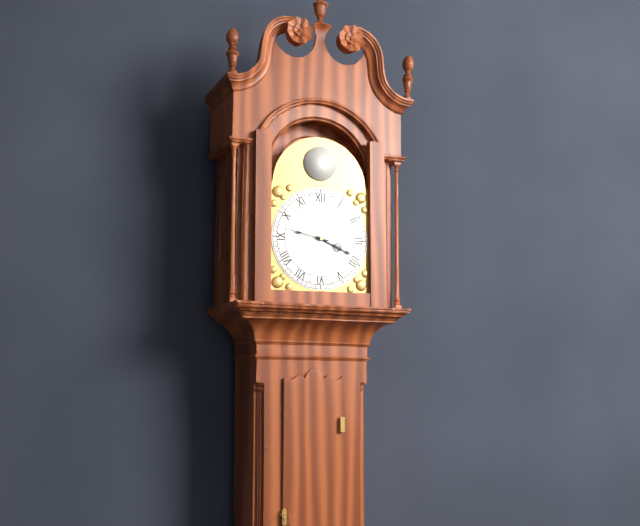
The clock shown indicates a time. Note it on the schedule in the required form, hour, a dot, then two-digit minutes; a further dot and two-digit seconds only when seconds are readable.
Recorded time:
3.47
